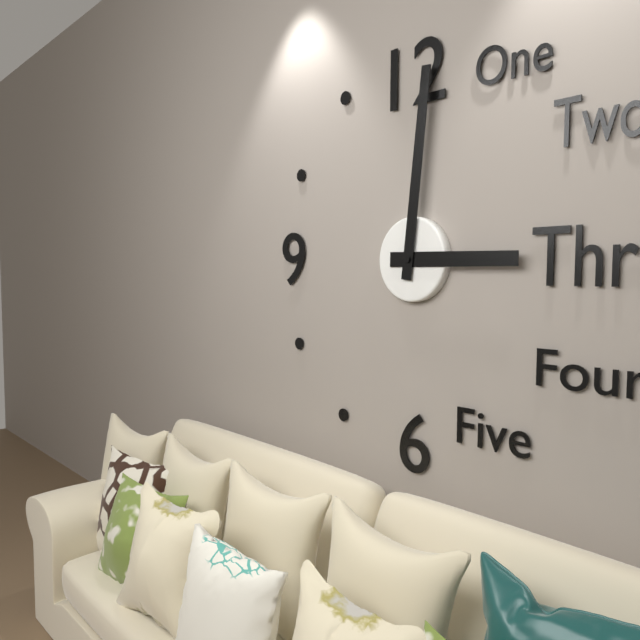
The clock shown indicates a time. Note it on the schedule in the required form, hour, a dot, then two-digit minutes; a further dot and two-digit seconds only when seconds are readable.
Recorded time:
3.01
